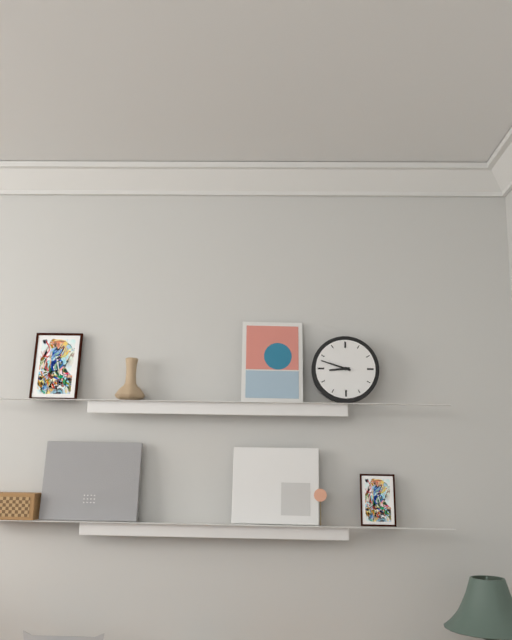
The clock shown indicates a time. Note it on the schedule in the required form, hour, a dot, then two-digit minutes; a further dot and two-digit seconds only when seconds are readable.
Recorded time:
8.48
